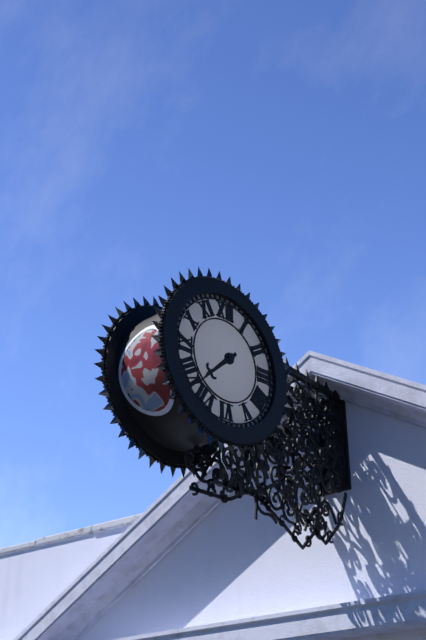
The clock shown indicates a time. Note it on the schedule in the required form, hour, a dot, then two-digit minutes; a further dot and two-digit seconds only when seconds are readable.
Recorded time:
7.38
